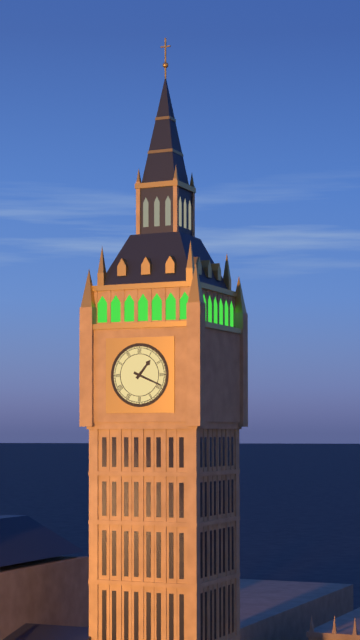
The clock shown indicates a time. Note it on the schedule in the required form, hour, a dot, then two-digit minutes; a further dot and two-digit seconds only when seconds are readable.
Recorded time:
1.19
